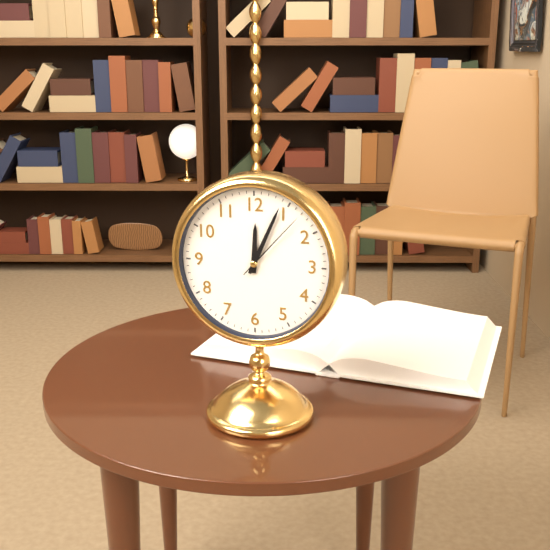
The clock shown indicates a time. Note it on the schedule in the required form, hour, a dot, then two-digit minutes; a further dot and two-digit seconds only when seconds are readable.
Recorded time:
12.04.07
